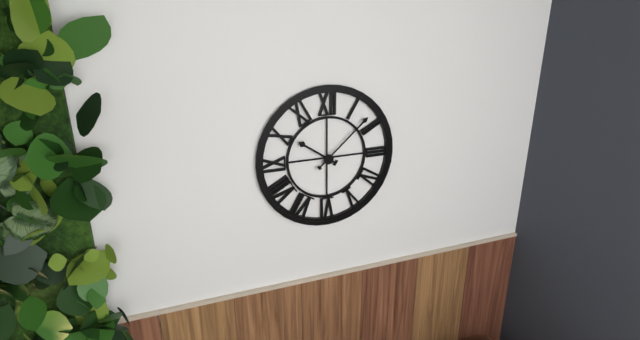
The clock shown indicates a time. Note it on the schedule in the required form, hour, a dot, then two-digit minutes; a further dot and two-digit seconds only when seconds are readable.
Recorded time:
10.08
